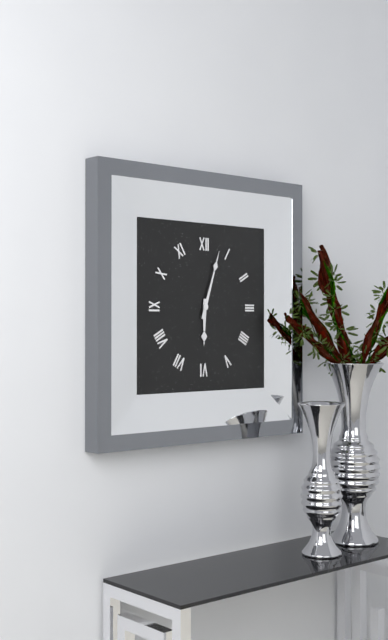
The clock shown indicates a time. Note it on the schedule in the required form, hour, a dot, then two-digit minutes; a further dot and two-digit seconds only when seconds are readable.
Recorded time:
6.03
